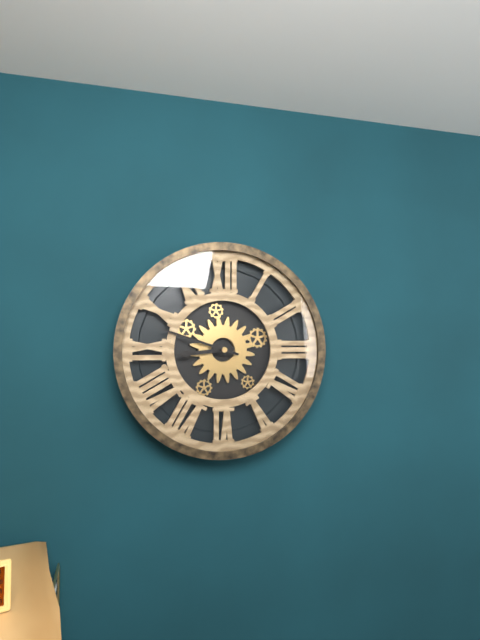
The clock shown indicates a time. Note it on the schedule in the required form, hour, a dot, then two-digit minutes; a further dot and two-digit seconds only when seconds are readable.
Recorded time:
8.48
